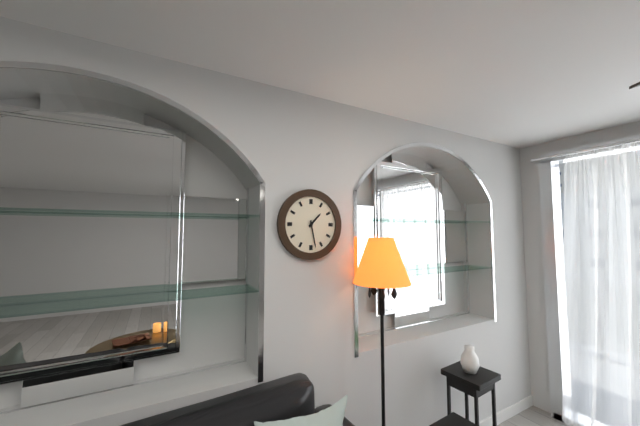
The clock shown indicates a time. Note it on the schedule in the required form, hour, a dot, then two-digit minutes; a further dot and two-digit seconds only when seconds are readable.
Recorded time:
1.28
